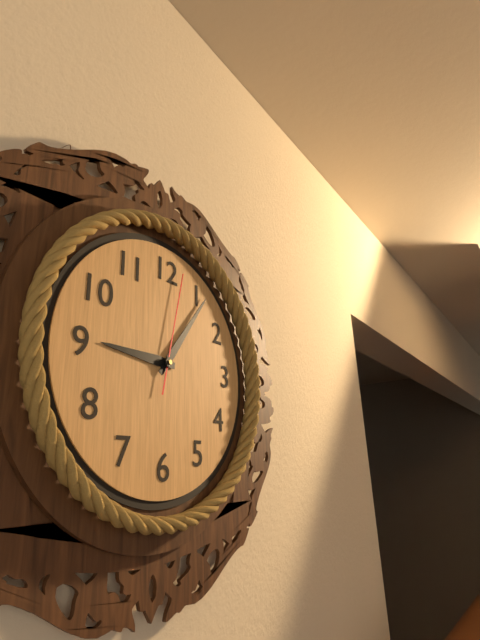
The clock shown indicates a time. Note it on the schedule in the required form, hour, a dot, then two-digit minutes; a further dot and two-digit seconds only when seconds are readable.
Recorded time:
9.06.02
